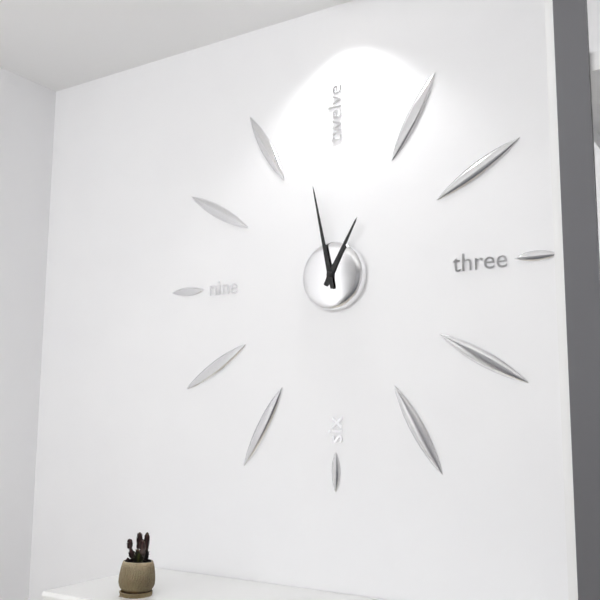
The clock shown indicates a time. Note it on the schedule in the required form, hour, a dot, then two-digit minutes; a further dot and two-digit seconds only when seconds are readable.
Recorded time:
12.58
